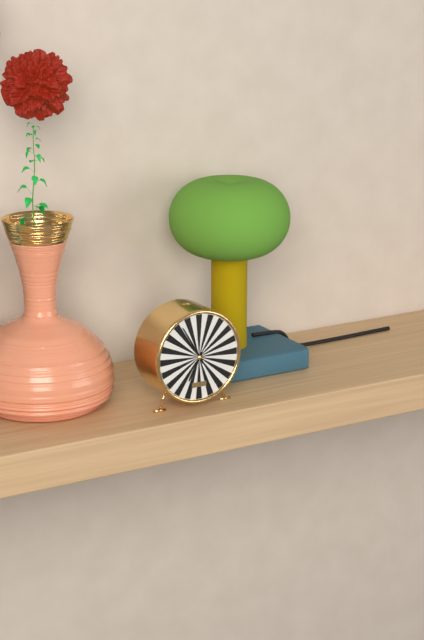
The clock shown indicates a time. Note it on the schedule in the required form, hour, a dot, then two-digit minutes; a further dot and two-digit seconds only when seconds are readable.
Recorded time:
6.55
